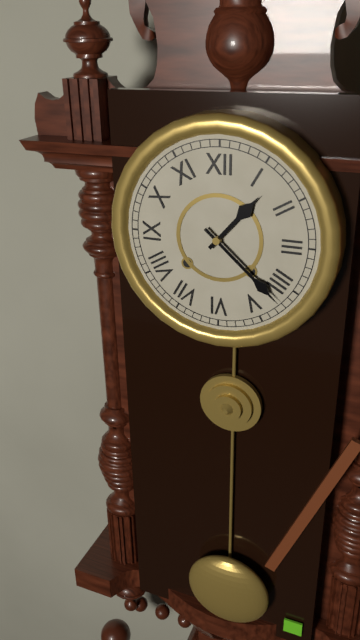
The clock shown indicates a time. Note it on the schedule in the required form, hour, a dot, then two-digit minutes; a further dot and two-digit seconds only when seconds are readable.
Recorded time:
1.22
